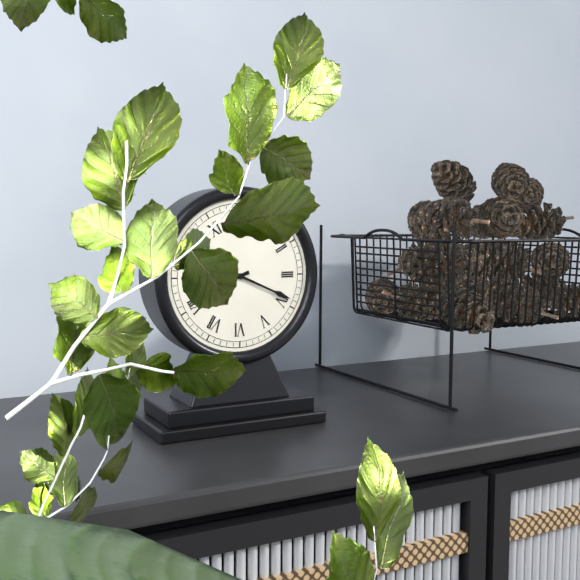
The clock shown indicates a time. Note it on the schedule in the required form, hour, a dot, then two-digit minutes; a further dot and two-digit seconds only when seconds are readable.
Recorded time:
8.19
